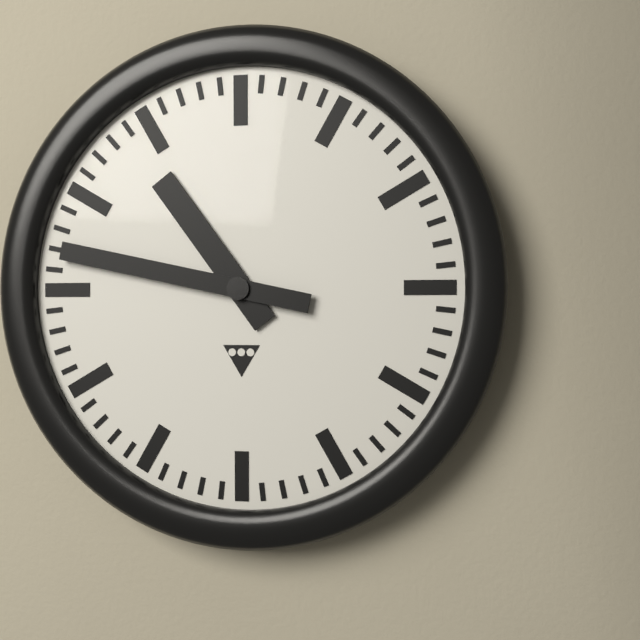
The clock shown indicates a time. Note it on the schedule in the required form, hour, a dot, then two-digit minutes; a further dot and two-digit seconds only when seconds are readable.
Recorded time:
10.47
